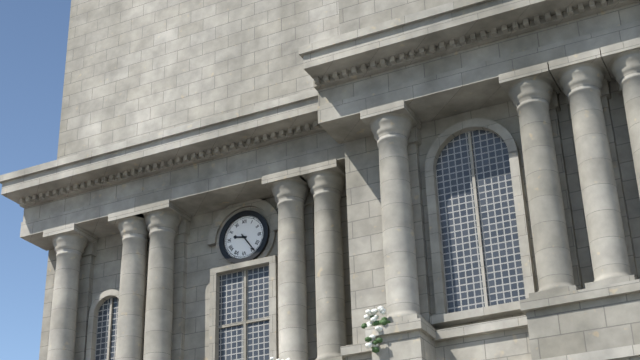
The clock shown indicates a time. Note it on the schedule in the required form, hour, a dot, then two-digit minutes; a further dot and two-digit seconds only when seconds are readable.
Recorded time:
9.24
